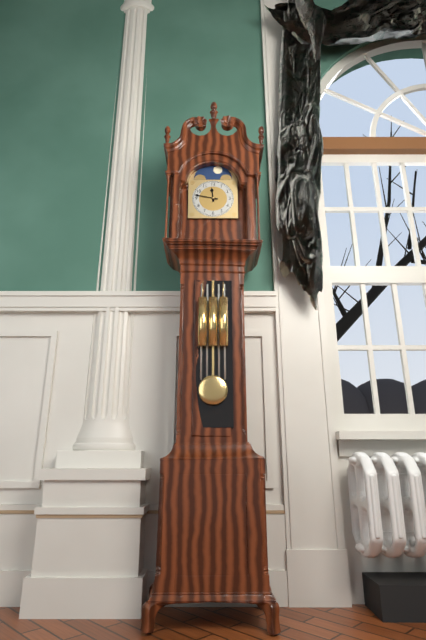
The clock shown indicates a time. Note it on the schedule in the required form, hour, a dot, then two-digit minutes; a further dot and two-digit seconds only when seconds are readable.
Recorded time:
11.47
